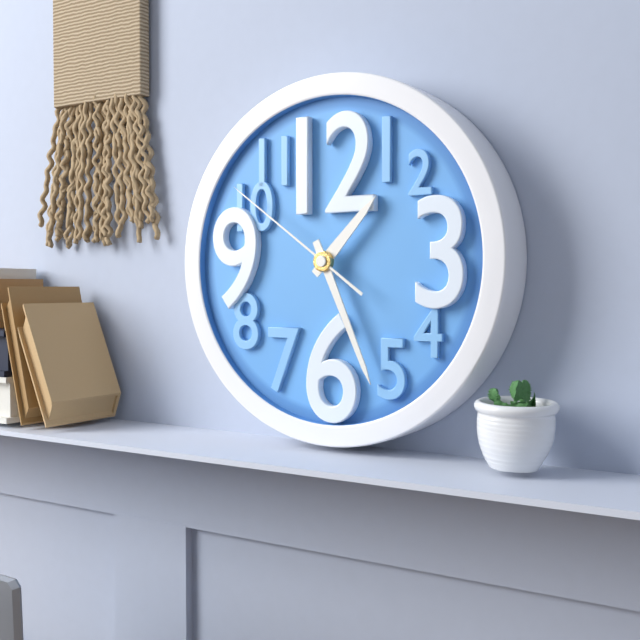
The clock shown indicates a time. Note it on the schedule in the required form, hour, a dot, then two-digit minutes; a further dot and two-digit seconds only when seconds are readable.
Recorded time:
1.26.51
